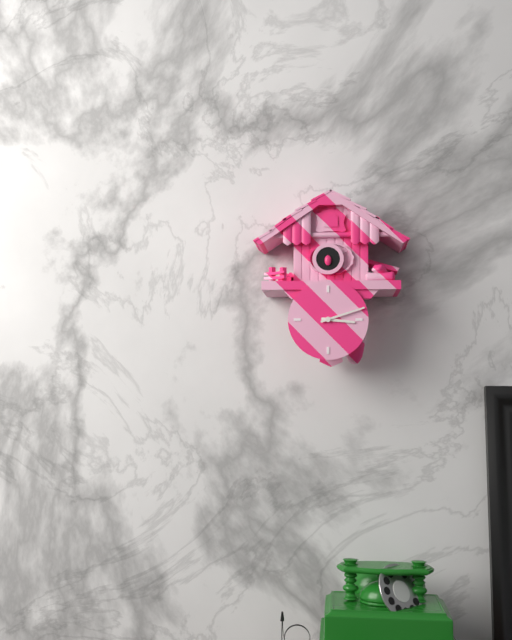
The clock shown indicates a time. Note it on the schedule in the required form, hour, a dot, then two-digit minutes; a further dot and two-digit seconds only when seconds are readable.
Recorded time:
3.12
